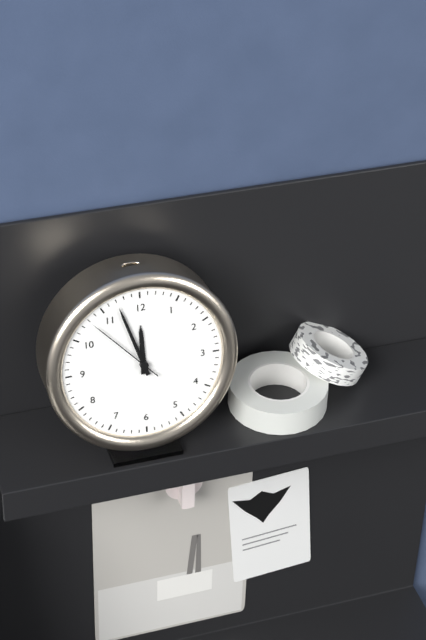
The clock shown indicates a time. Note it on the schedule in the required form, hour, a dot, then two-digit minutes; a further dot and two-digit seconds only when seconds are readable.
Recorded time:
11.57.53
